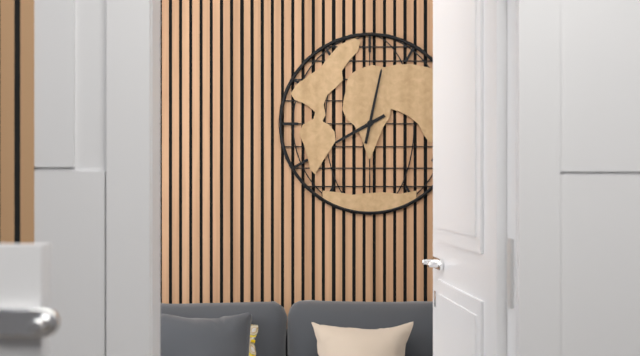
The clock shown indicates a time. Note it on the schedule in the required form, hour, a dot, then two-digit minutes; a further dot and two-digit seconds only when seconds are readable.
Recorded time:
8.02
